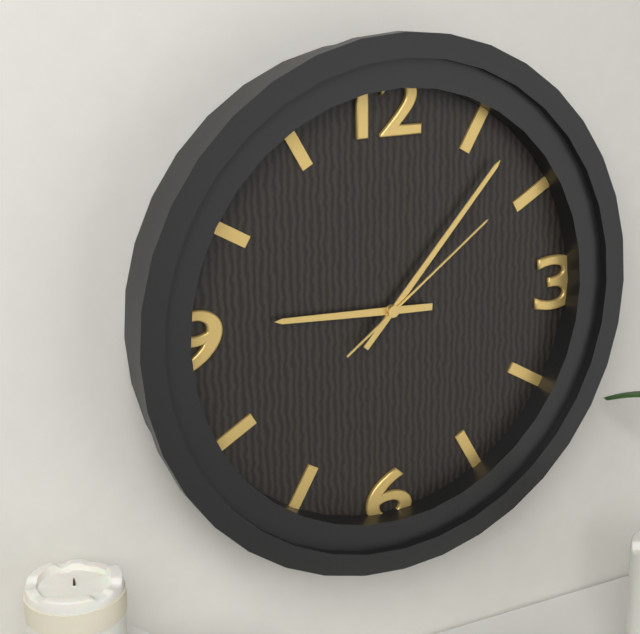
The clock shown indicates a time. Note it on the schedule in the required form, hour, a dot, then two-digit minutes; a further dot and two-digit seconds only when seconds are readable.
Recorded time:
9.07.09
